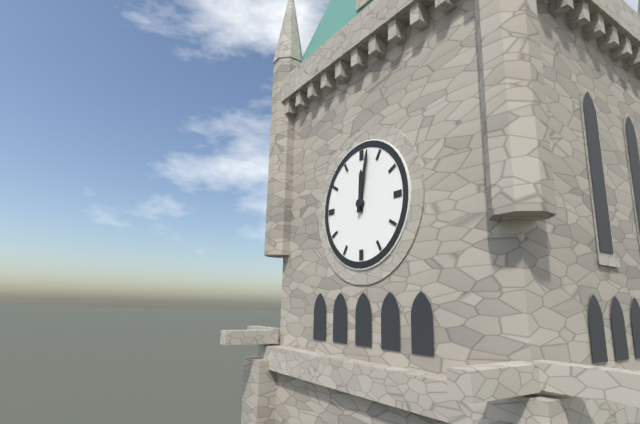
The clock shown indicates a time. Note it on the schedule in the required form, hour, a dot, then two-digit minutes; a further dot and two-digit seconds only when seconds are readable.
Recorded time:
12.02
